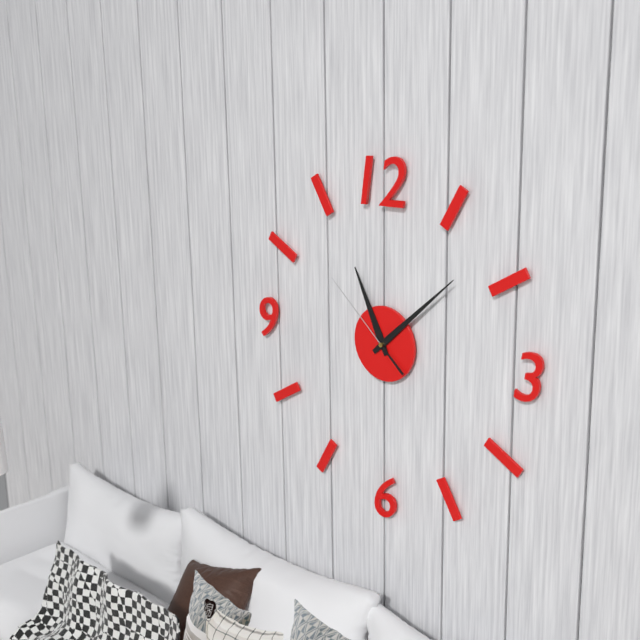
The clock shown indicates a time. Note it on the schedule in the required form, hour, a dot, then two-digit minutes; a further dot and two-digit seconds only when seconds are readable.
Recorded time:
11.08.52
